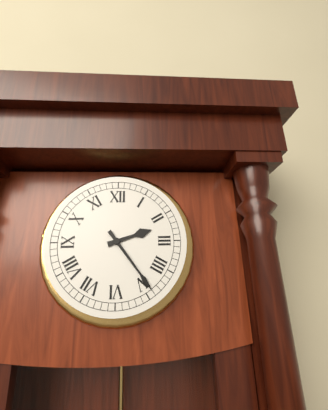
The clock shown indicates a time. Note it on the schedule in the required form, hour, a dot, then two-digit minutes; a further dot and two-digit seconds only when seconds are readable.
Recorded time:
2.24
